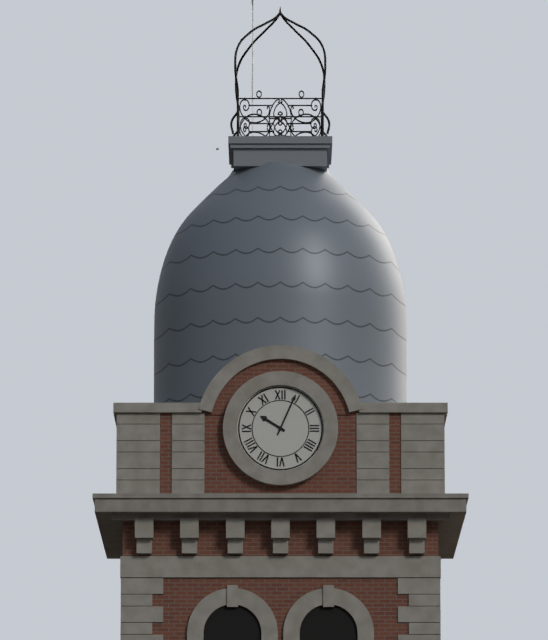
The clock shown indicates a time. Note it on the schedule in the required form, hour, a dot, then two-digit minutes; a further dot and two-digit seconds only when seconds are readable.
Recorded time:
10.04
